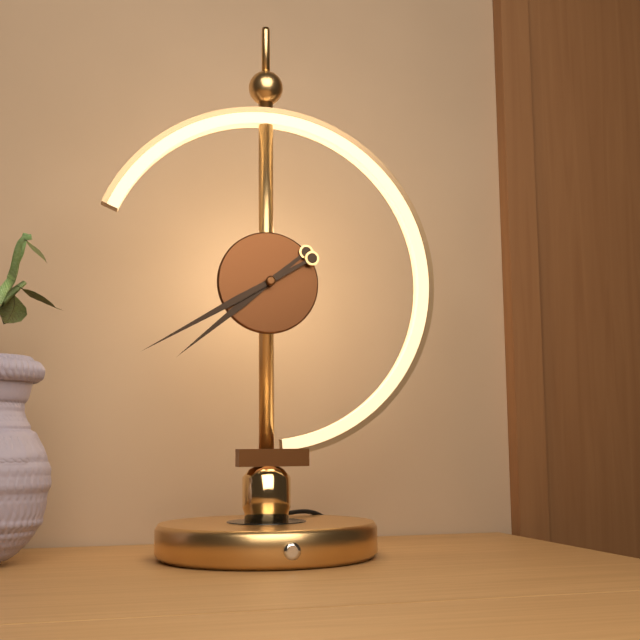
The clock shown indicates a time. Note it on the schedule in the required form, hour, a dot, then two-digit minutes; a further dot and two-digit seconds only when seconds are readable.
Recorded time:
7.40
